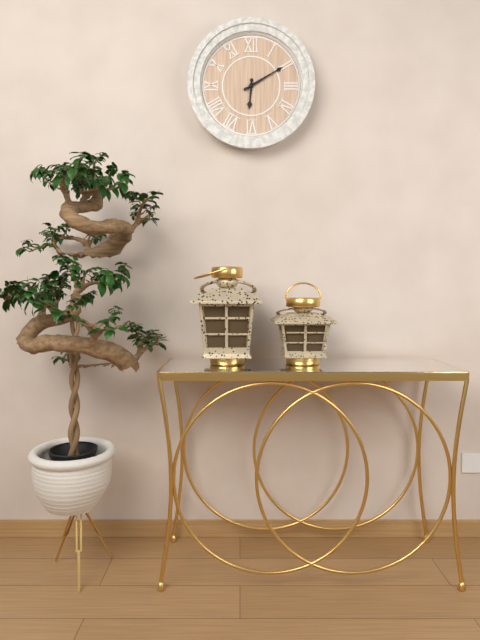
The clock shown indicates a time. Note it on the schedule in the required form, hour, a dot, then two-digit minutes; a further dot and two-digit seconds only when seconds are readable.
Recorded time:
6.10
